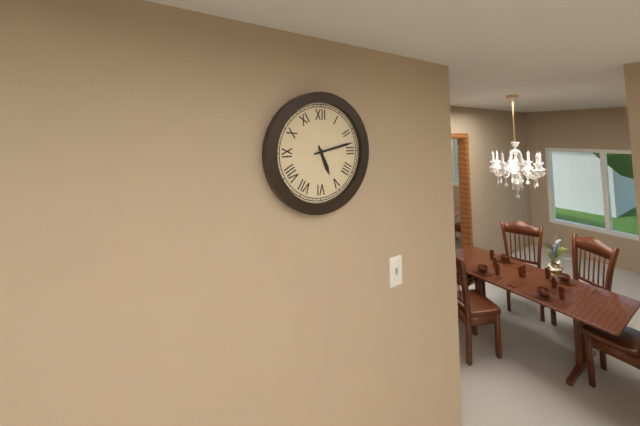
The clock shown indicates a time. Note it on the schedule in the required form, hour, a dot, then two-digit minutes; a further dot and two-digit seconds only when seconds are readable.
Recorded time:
5.13
